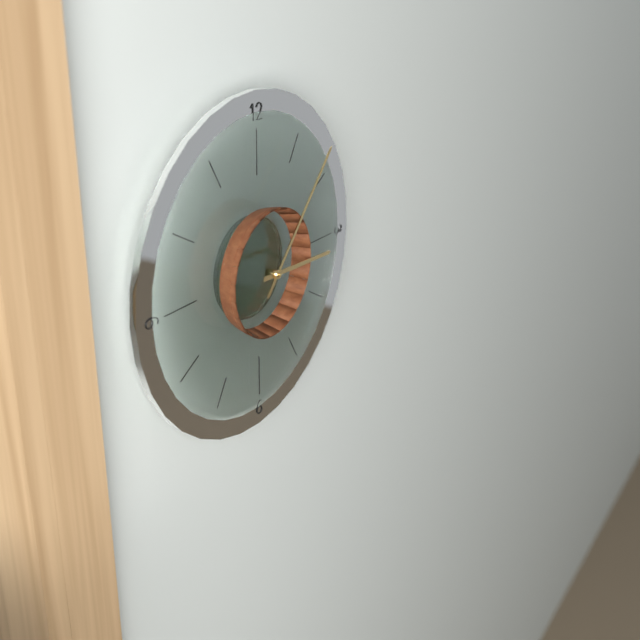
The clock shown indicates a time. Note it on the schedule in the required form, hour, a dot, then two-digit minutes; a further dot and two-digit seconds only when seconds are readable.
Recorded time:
3.07
